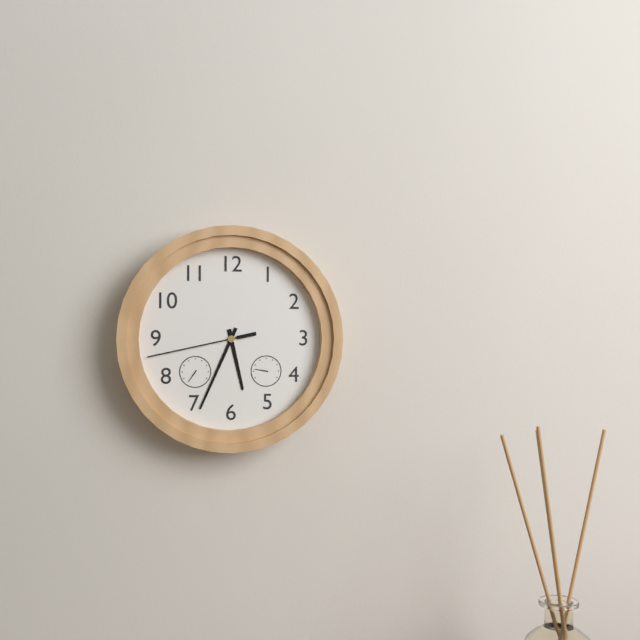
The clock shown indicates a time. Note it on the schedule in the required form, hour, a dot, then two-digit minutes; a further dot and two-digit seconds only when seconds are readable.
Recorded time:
5.34.43
